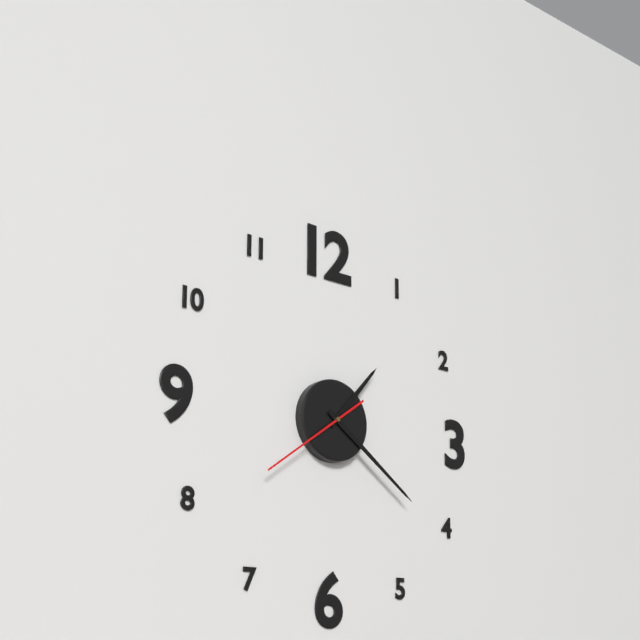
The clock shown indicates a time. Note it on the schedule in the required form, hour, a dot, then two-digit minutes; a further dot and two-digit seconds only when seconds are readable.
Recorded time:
1.21.39
